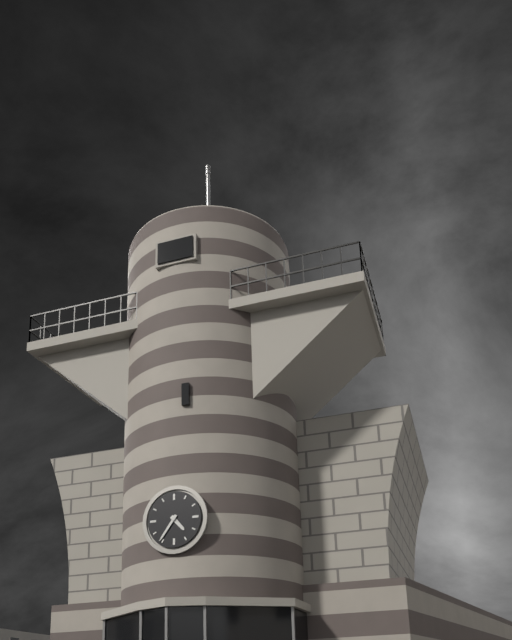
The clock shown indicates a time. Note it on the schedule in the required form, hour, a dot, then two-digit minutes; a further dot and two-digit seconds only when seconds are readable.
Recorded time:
4.36
